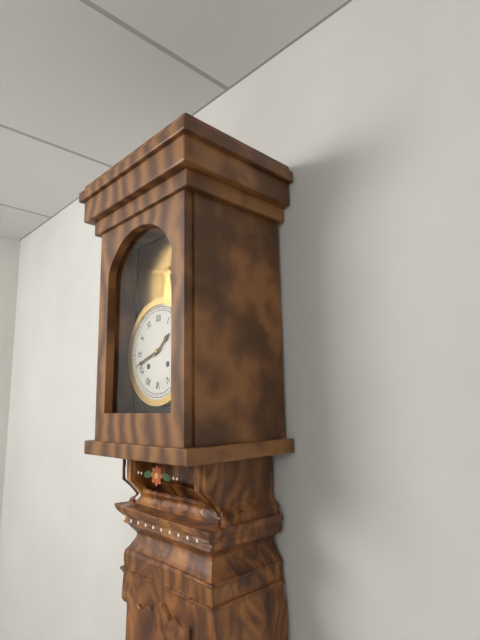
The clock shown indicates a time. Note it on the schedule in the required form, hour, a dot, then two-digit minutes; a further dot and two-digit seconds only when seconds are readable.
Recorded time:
1.42
